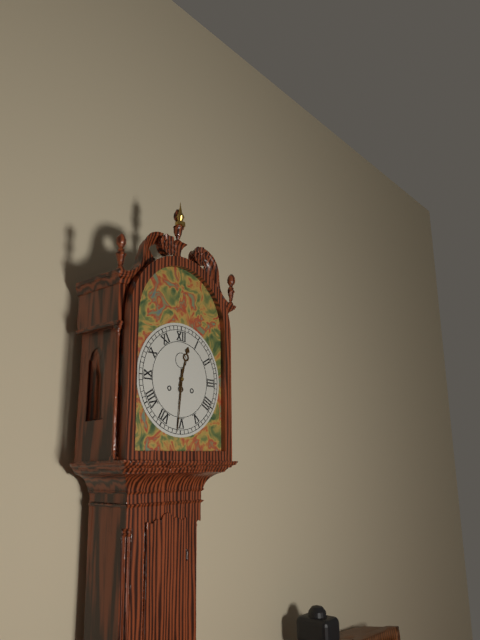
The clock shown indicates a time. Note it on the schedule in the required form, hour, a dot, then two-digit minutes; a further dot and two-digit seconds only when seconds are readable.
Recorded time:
12.31
